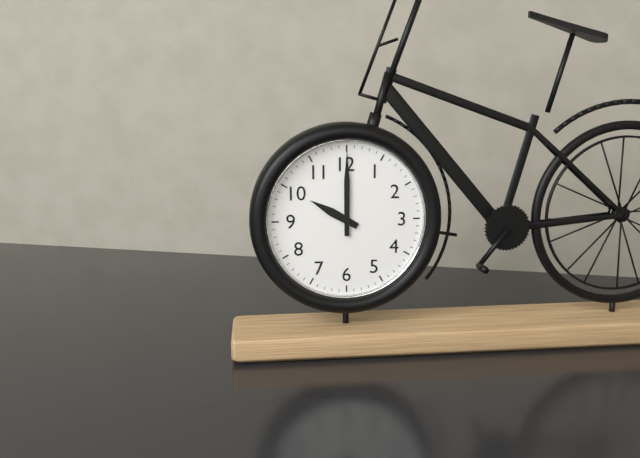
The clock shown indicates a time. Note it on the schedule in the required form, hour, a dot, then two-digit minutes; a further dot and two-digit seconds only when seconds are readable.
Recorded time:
10.00
